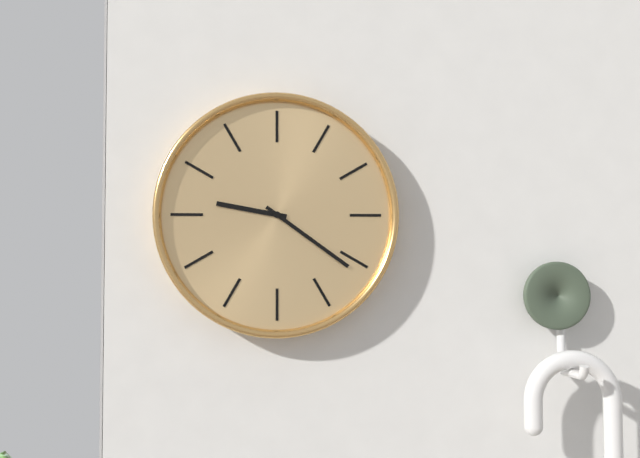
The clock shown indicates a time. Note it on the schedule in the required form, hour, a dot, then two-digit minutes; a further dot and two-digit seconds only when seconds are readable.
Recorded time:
9.21
